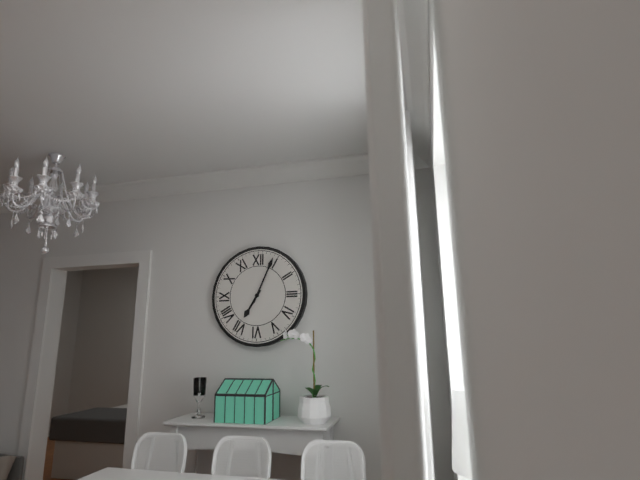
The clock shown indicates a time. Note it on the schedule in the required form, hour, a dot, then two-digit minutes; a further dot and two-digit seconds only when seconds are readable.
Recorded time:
7.04
